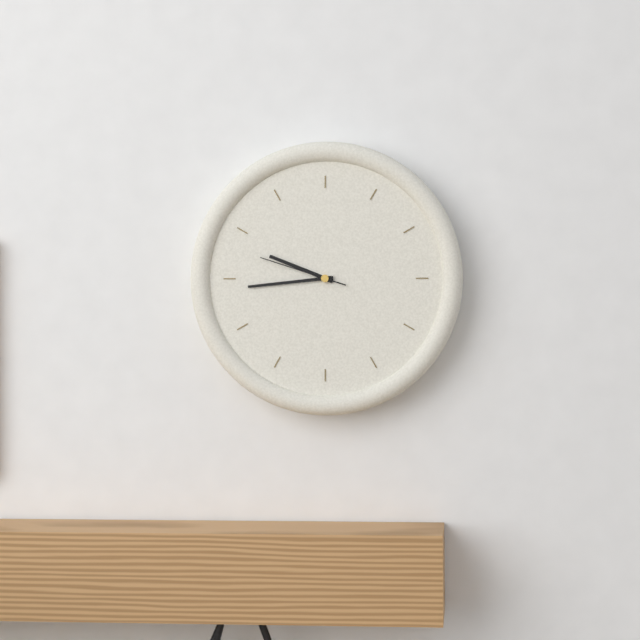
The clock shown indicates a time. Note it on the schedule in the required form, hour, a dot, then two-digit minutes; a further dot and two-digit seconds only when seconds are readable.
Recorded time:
9.44.48
